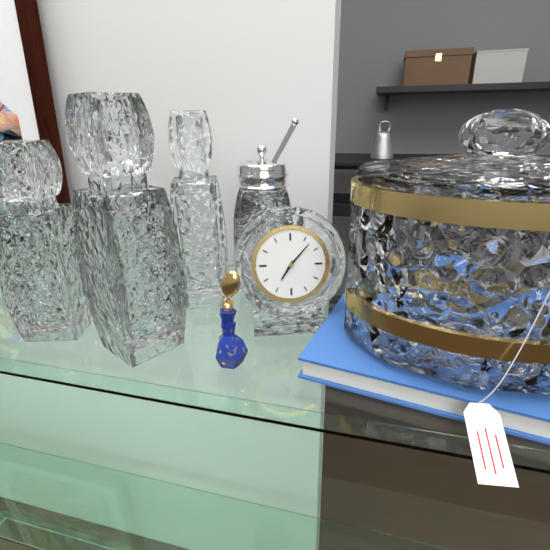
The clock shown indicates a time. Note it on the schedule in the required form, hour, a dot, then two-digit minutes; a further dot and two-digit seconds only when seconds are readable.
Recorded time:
7.07
